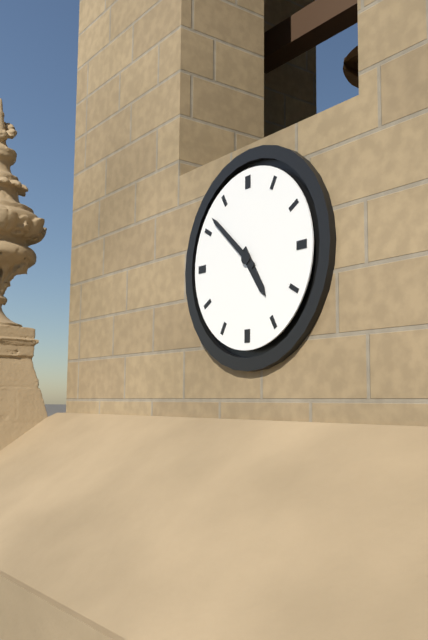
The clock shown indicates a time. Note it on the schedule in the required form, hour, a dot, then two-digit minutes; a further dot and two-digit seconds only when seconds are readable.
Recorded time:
4.52
